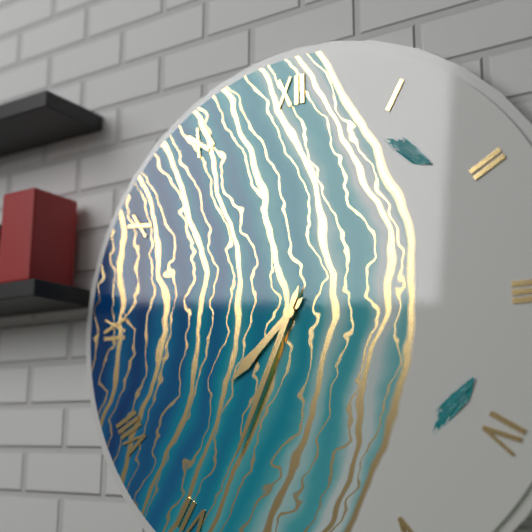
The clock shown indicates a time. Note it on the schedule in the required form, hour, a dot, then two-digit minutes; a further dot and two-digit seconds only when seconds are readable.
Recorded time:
7.34
